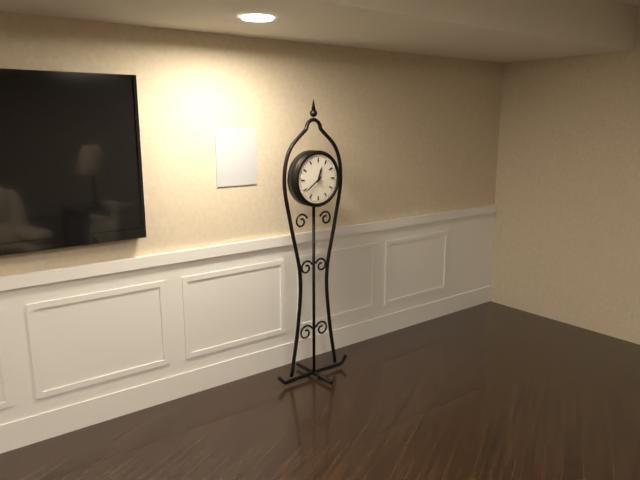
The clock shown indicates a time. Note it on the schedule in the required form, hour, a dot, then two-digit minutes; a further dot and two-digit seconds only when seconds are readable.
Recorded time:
12.39
